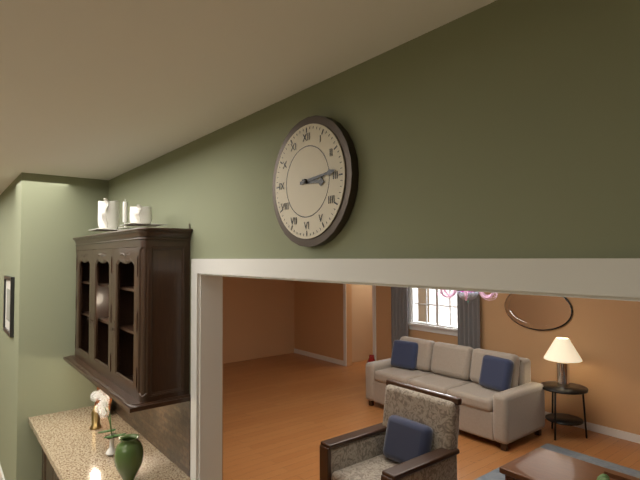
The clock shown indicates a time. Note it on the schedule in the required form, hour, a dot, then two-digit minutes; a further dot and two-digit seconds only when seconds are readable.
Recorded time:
3.14
